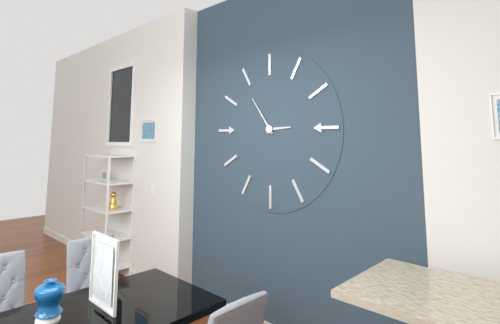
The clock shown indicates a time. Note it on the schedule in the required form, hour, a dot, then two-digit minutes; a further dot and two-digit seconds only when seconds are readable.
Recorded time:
2.54
